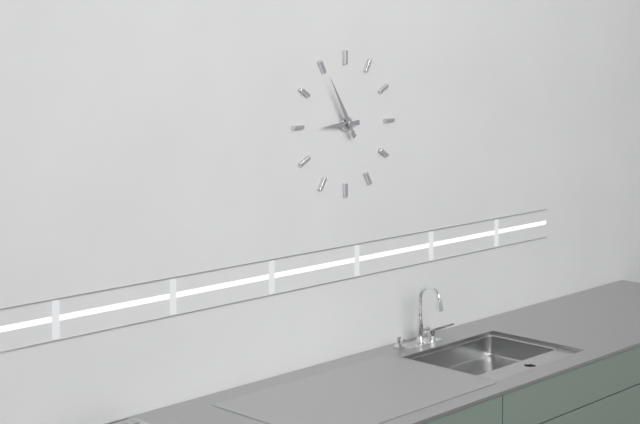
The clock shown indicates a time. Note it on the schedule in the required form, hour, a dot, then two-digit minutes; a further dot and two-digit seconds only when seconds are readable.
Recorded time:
8.55
